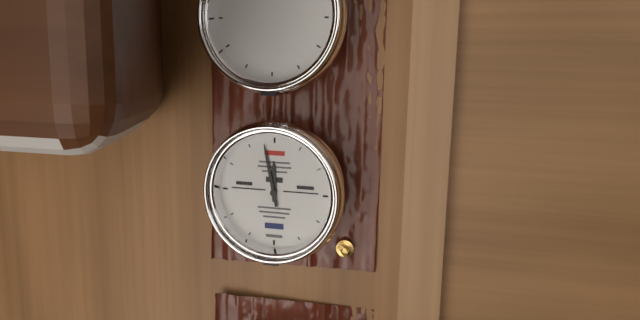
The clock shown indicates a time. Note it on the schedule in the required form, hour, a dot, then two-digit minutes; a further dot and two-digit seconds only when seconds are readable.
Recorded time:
11.58
